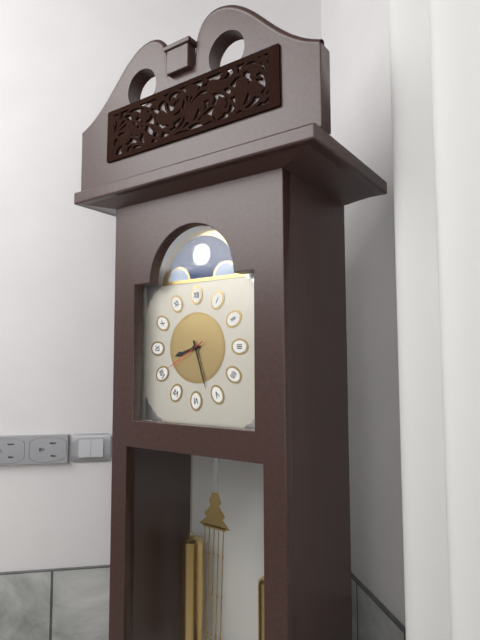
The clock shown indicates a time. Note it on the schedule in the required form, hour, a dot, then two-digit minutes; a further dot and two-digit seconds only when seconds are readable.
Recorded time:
8.27
